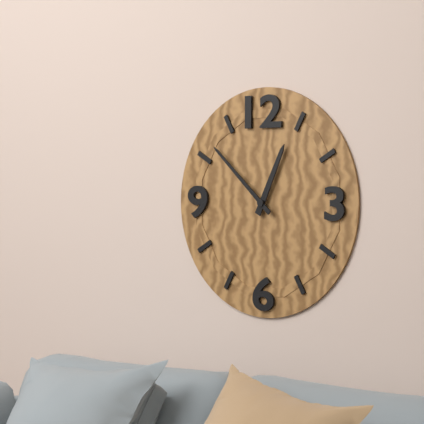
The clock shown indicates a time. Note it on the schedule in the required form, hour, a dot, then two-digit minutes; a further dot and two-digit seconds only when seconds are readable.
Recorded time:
12.52
